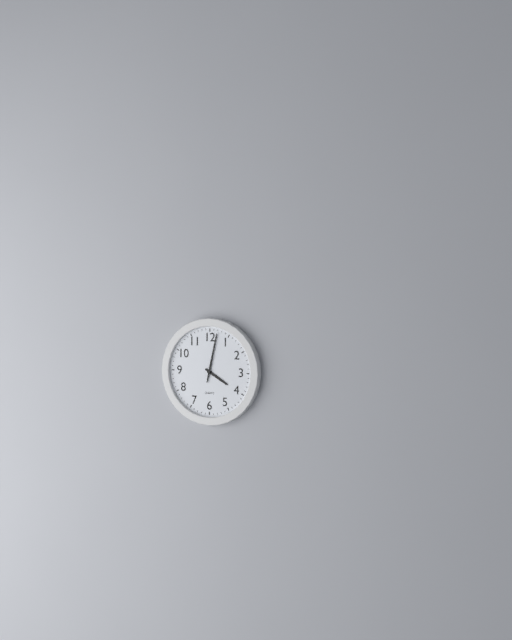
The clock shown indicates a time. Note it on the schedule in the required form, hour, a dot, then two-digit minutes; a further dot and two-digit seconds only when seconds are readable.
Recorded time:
4.02
